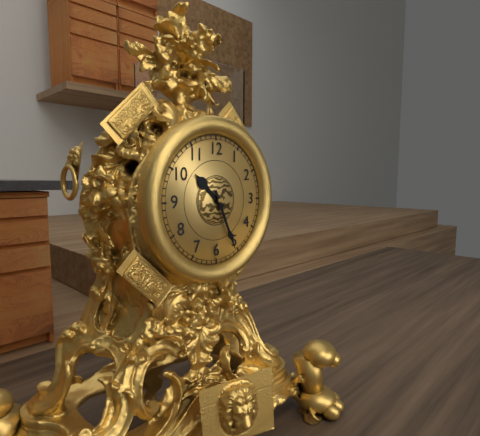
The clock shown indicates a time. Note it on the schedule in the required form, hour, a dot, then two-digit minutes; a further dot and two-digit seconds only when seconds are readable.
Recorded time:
10.26
